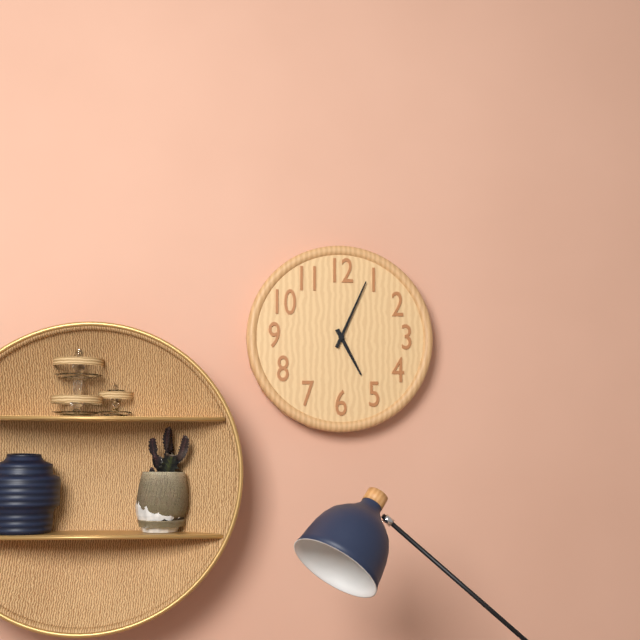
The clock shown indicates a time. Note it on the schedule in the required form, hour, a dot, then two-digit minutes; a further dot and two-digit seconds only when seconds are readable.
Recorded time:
5.04
